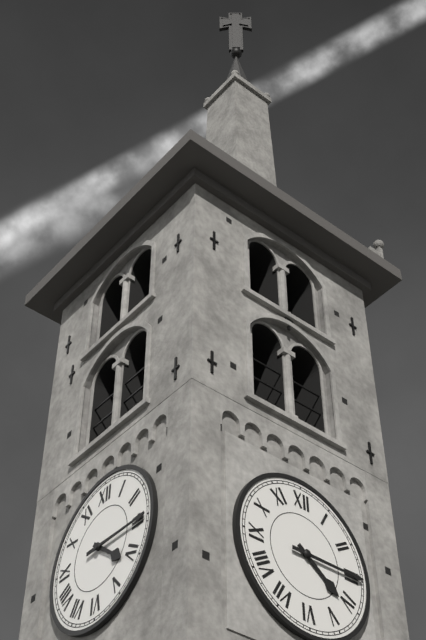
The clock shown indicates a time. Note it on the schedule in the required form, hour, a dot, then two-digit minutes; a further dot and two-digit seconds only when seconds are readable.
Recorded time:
4.15
